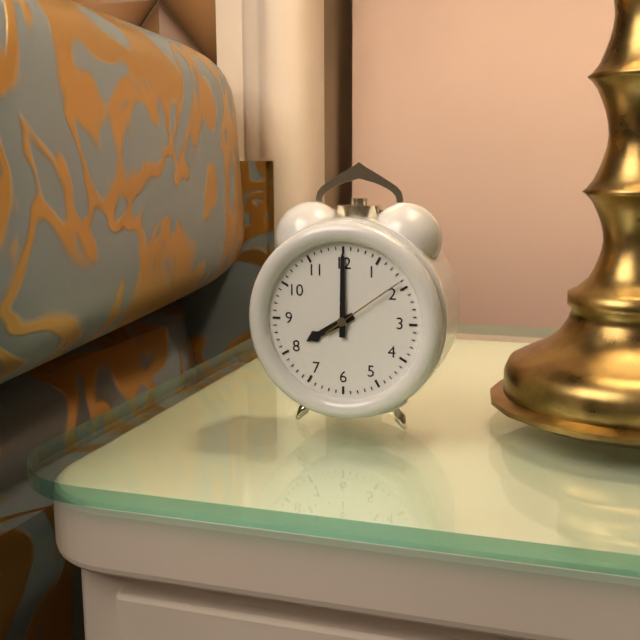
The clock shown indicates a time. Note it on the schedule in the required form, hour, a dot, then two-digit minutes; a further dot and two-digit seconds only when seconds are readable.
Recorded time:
8.00.09
